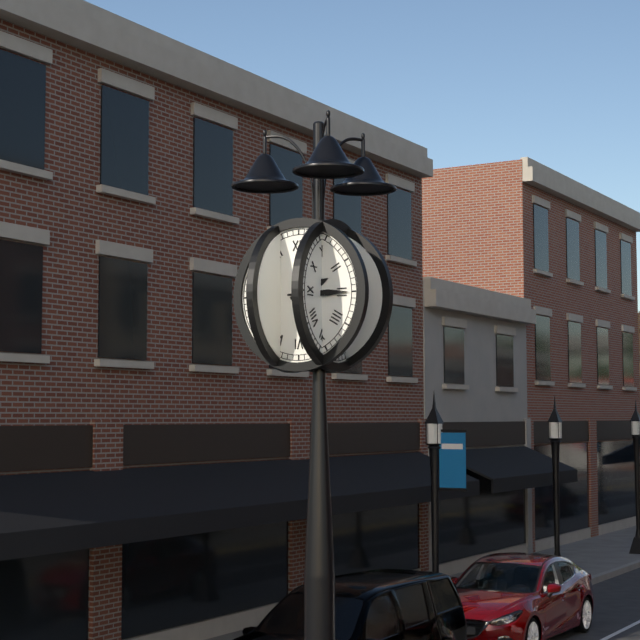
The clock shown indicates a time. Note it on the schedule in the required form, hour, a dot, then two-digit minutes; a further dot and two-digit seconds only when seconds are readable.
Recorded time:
2.15
